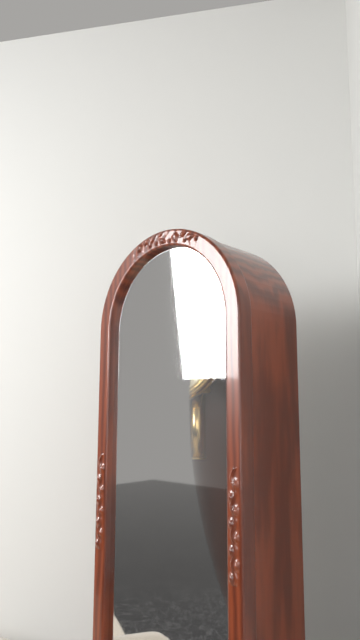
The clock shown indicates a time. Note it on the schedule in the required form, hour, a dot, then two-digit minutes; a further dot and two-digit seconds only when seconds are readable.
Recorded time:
3.45
